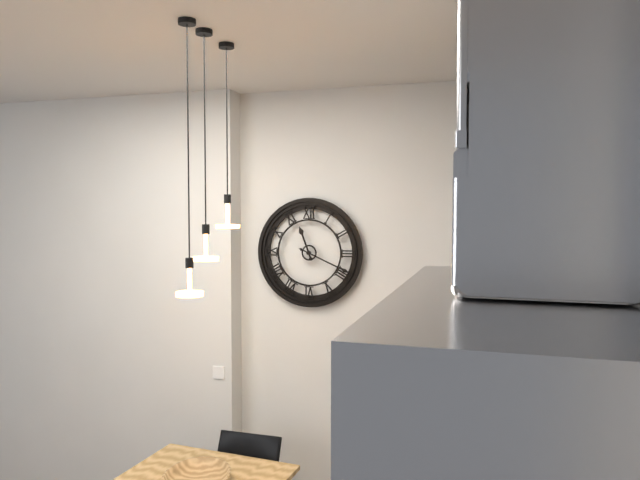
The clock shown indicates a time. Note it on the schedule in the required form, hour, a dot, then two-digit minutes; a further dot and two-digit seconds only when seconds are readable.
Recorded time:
11.19
